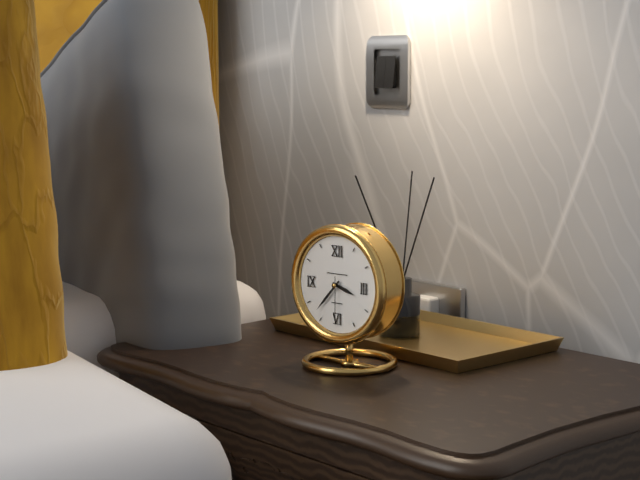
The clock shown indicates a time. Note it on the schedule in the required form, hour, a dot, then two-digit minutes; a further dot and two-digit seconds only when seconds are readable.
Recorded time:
3.37
